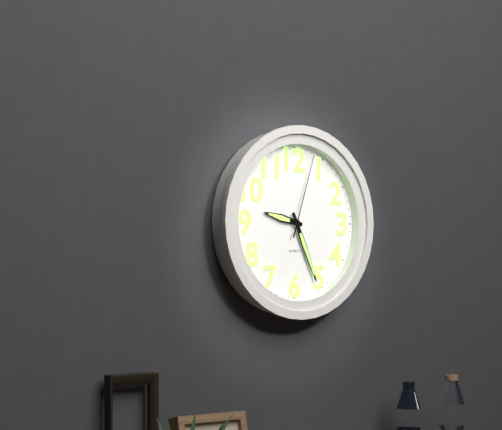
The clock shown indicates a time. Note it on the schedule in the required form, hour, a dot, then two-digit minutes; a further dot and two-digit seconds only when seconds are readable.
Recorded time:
9.26.03
